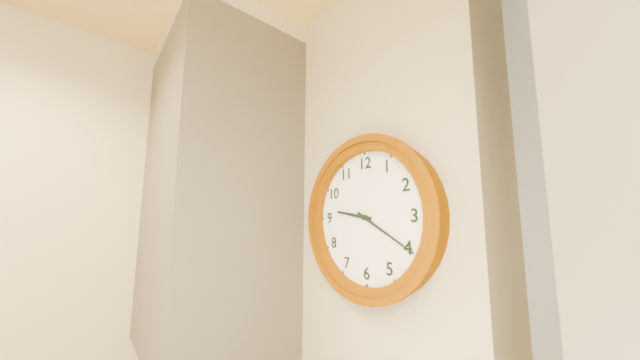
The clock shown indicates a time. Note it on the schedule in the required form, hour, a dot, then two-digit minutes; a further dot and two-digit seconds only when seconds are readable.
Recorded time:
9.20
